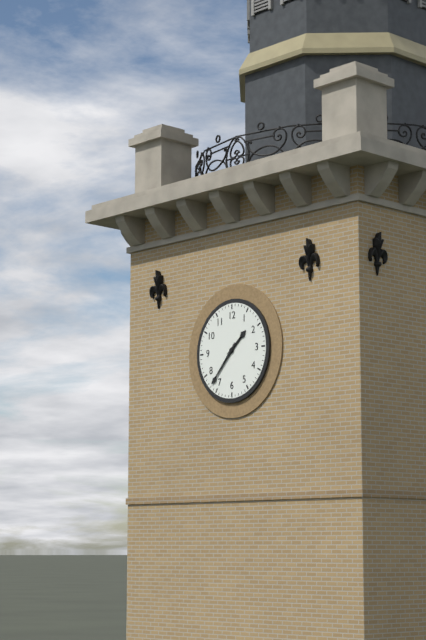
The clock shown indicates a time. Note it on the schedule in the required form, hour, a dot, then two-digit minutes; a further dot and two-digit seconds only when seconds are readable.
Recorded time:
1.37
